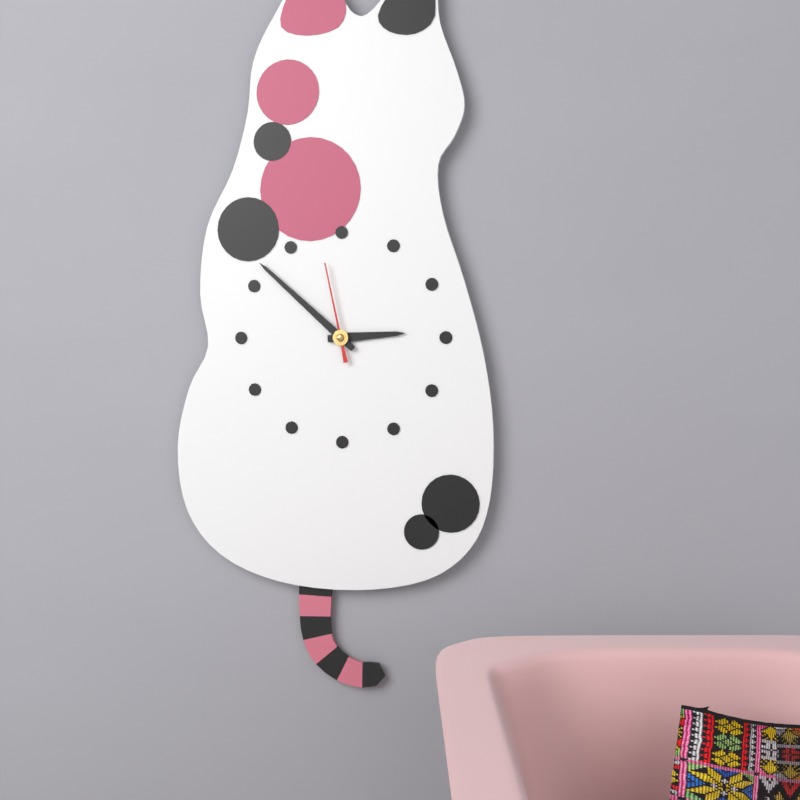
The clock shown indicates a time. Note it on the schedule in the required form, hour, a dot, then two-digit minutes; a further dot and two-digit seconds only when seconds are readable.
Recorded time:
2.52.58
